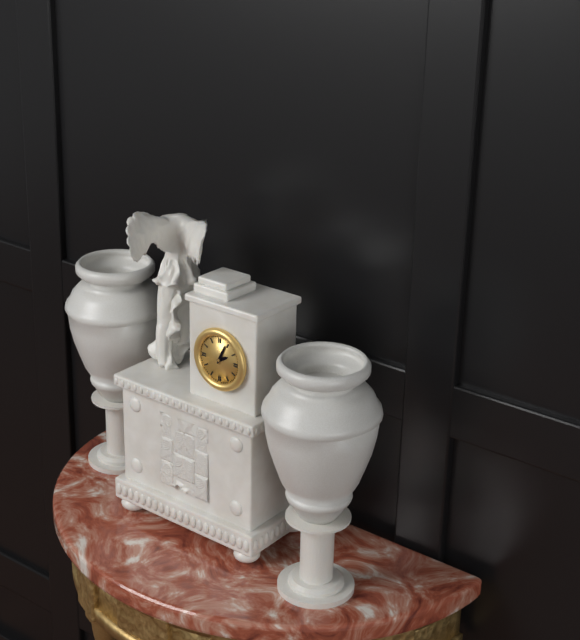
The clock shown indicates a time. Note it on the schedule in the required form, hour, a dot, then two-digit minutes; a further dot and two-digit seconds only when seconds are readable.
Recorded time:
2.04
